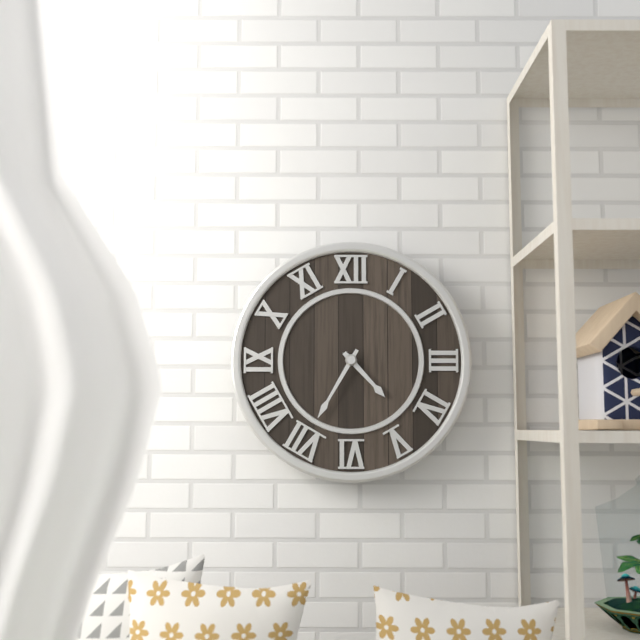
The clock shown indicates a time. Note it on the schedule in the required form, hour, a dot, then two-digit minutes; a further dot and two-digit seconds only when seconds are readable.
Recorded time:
4.35
